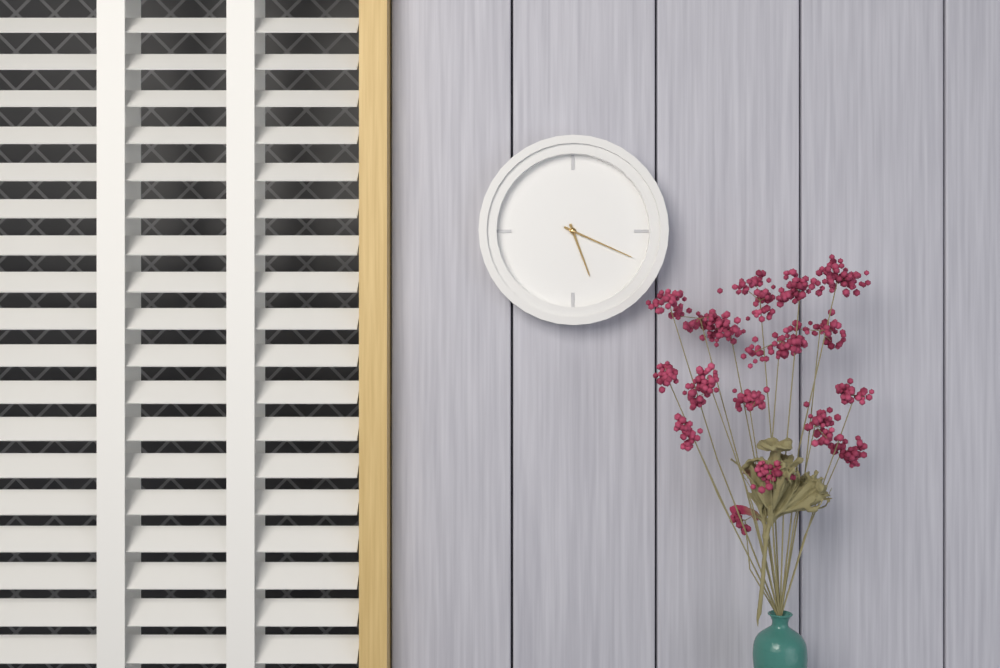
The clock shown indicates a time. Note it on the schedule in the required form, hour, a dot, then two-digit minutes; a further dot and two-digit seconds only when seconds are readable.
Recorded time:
5.19
